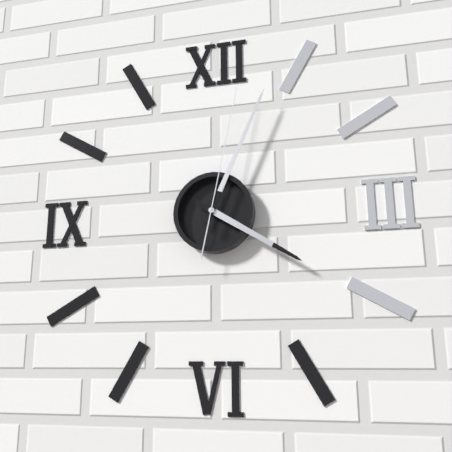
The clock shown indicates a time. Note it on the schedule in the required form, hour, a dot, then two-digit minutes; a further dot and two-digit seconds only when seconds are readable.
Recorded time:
4.04.02
